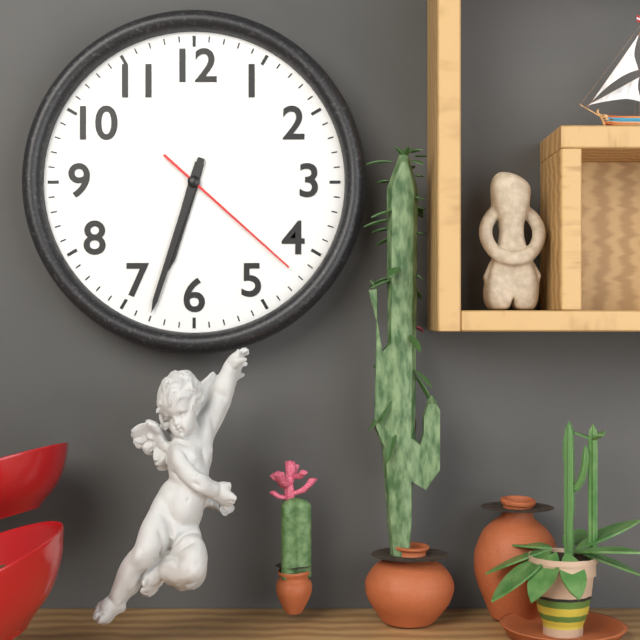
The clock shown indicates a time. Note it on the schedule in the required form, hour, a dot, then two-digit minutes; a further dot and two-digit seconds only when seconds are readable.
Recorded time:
6.33.22
